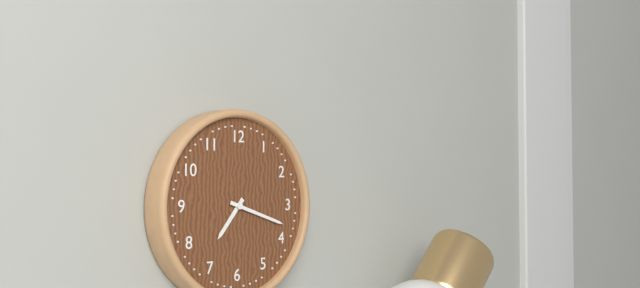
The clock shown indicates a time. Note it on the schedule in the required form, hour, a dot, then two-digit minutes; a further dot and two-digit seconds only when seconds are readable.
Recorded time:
7.18
